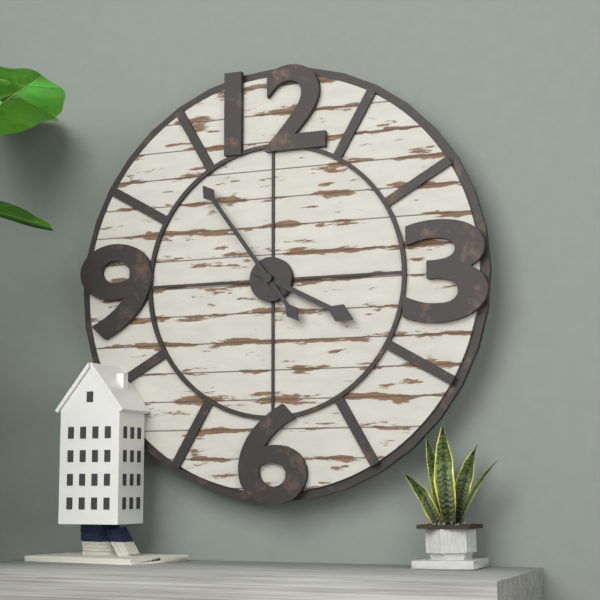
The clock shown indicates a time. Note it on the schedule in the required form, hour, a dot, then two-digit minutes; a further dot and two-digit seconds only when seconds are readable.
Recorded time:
3.54
